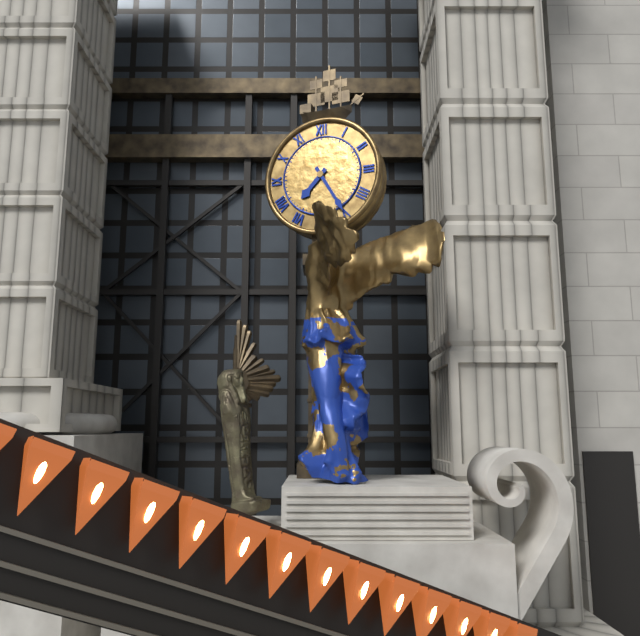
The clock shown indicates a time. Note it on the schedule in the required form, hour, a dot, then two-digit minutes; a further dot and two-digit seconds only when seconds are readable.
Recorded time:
7.25
